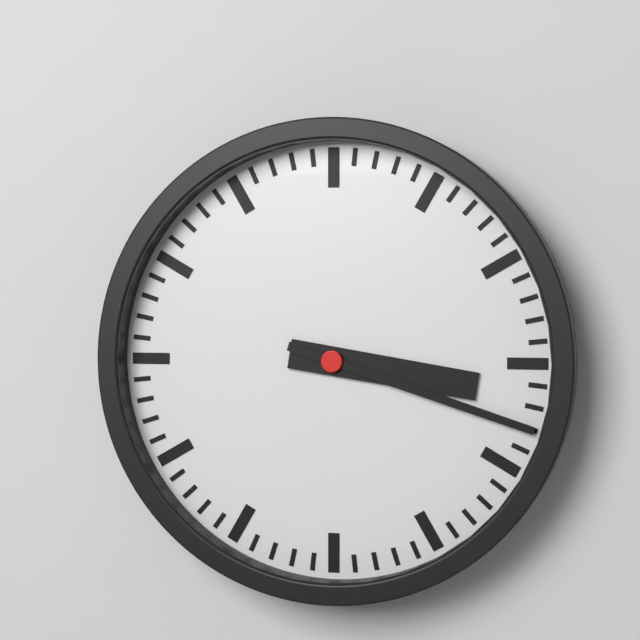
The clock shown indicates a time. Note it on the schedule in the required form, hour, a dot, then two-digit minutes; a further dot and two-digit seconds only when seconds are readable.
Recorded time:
3.18
